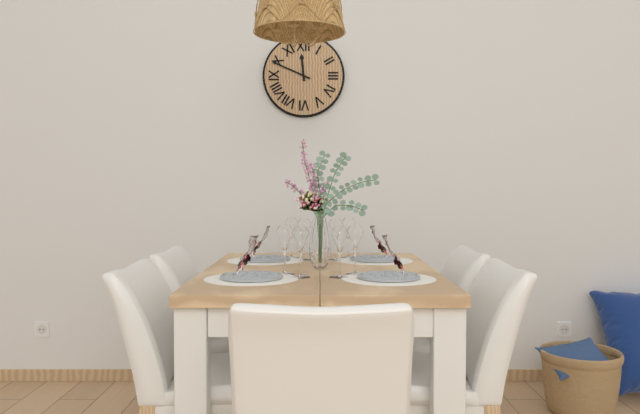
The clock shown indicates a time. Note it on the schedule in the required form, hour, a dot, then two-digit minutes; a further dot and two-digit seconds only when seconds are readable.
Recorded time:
11.49
